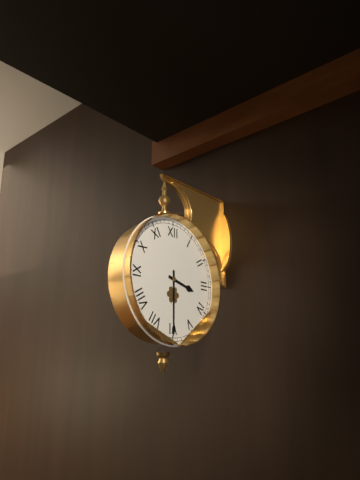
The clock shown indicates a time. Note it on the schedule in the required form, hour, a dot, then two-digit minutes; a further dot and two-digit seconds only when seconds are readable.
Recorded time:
3.30
